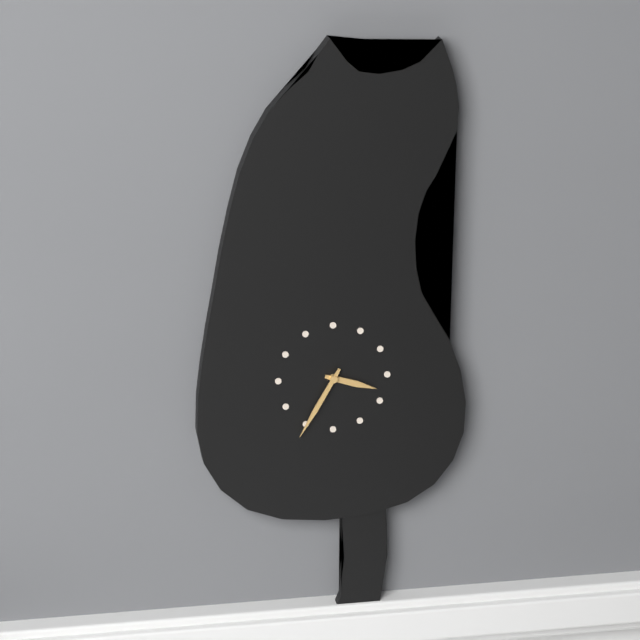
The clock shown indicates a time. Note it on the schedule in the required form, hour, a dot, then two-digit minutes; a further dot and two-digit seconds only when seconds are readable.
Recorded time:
3.35
